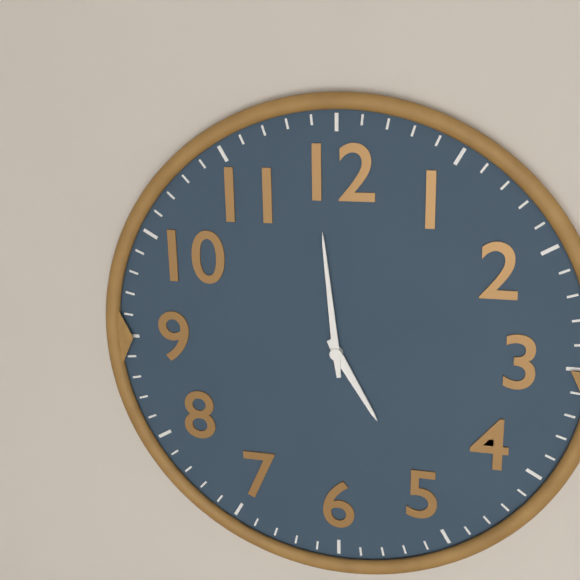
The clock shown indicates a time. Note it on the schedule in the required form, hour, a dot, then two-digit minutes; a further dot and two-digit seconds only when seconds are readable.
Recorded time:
4.59
